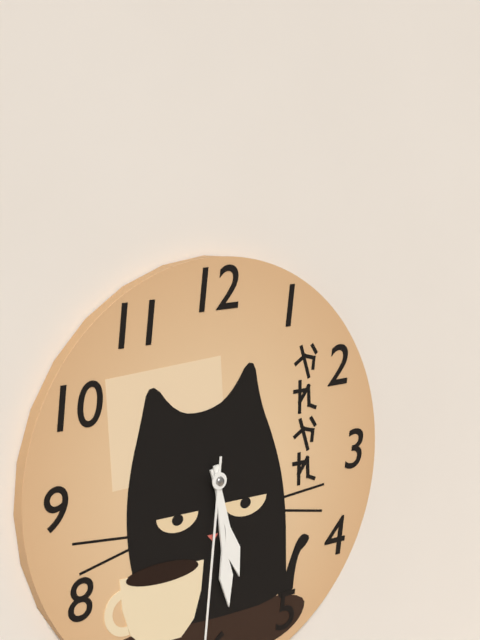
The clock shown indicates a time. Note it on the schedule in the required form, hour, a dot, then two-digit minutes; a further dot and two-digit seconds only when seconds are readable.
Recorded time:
5.29
